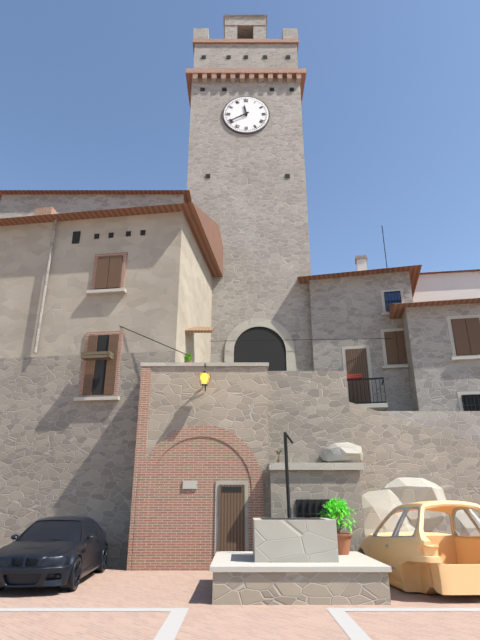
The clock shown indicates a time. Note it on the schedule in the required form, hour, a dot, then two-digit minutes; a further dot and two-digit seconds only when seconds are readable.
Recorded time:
11.40
